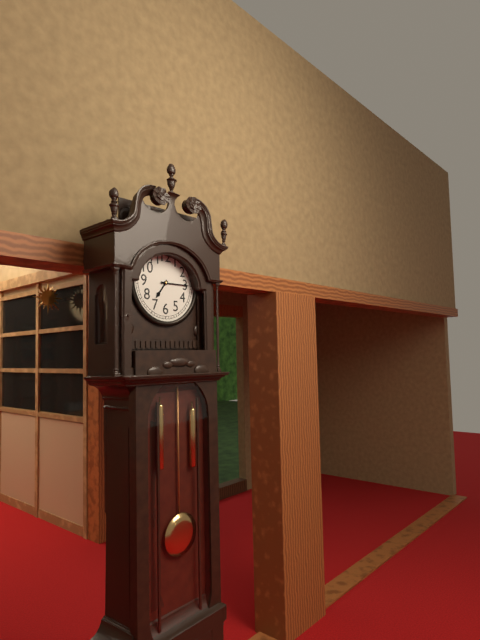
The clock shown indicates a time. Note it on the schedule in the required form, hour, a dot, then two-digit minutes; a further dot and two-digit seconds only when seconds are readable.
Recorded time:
7.15
